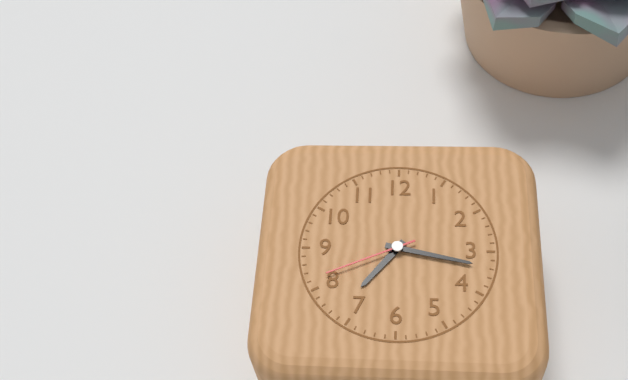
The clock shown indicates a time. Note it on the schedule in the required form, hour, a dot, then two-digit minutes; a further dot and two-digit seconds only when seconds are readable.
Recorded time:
7.17.41
